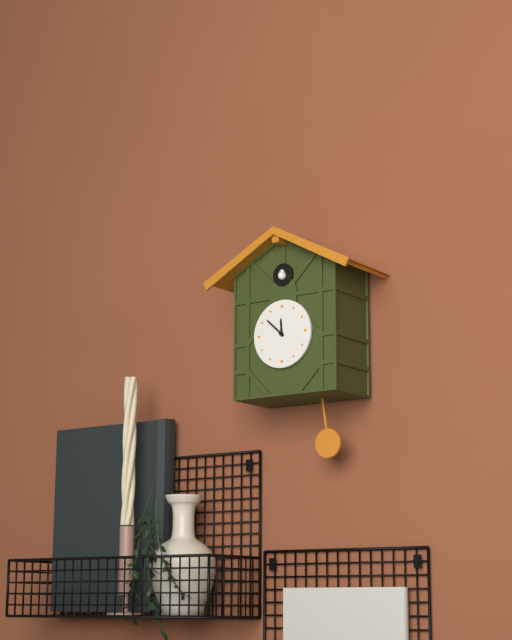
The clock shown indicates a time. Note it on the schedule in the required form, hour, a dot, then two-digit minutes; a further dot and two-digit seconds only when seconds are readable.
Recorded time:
11.52
